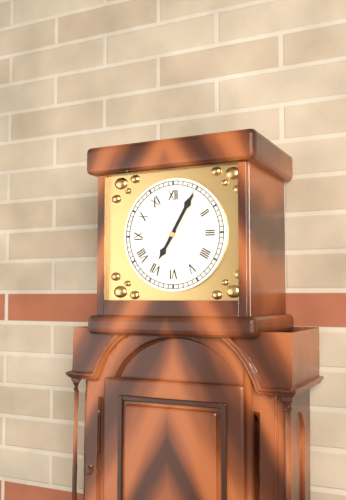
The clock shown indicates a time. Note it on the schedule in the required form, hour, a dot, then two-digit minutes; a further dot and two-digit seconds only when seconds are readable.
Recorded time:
7.05
